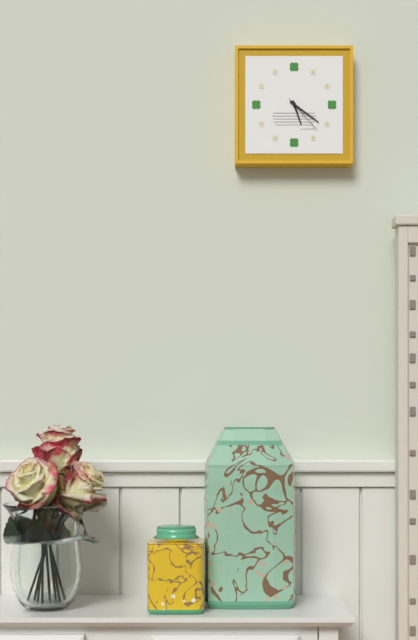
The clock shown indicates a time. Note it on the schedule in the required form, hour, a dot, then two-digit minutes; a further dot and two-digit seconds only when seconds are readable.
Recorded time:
5.21
